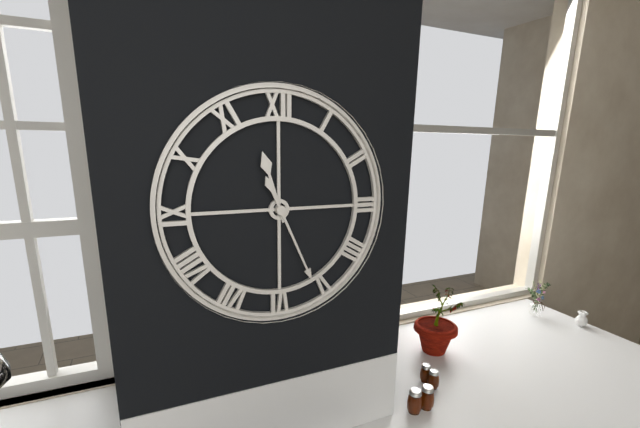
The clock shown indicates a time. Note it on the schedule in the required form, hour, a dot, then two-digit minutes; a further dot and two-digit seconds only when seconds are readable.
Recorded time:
11.26
